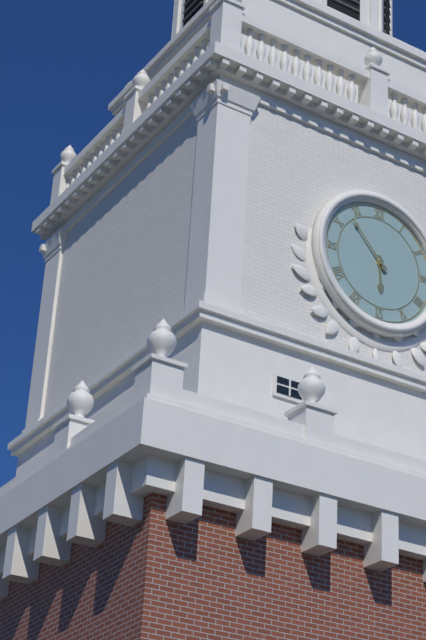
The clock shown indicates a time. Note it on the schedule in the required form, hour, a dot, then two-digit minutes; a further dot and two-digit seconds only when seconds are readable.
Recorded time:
5.53
